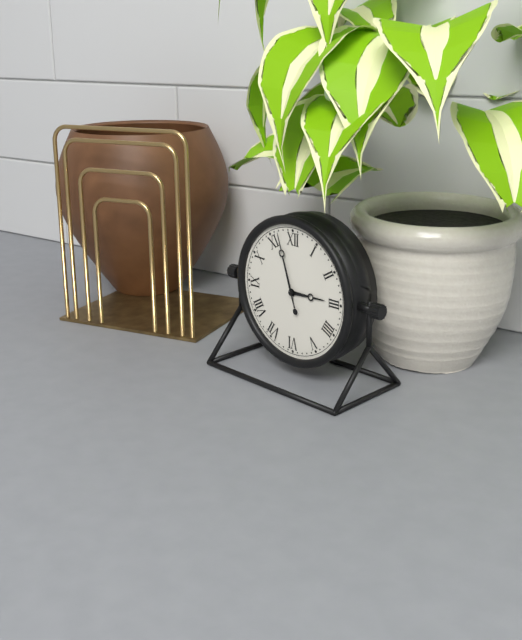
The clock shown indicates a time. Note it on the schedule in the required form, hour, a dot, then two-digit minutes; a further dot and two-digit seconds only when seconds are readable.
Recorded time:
2.57
